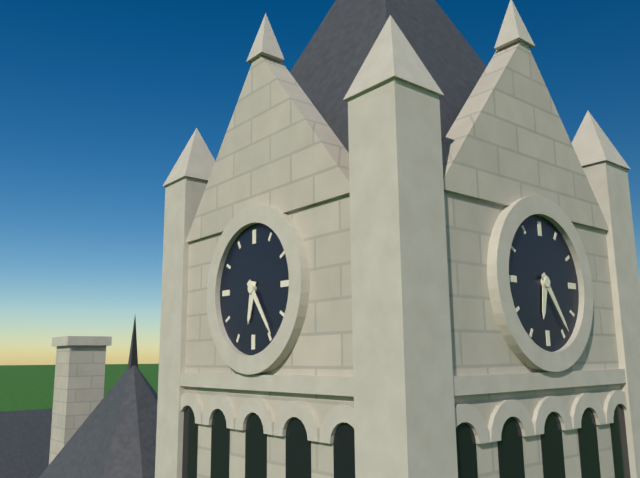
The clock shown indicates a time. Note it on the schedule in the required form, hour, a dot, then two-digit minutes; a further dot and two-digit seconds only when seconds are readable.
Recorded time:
6.24
